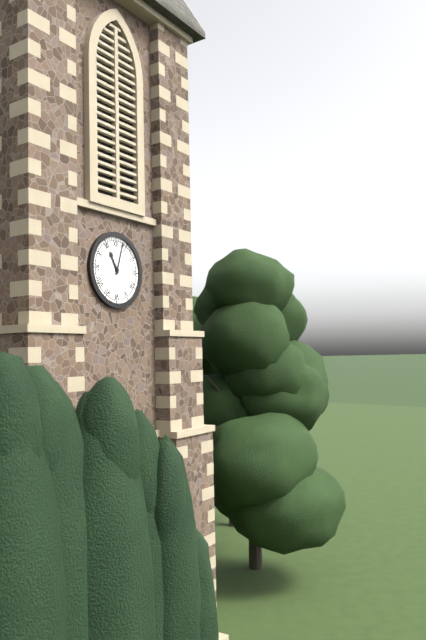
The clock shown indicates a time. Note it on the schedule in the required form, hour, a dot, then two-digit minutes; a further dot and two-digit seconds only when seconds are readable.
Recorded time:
11.03
